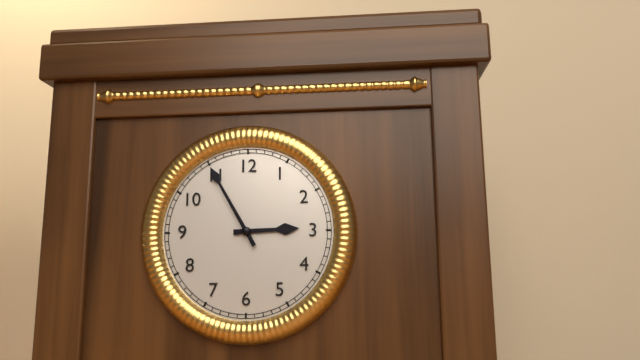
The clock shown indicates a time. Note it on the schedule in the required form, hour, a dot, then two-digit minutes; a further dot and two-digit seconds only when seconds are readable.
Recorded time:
2.55
